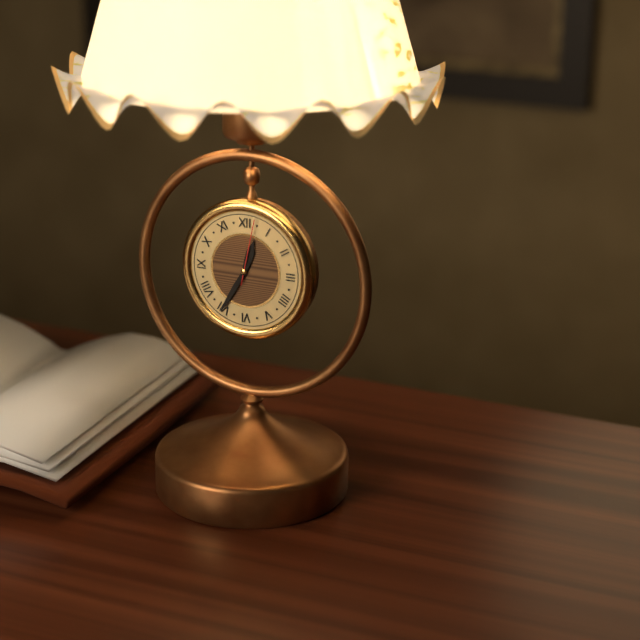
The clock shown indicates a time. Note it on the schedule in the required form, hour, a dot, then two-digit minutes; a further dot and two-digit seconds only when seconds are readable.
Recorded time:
12.35.02
